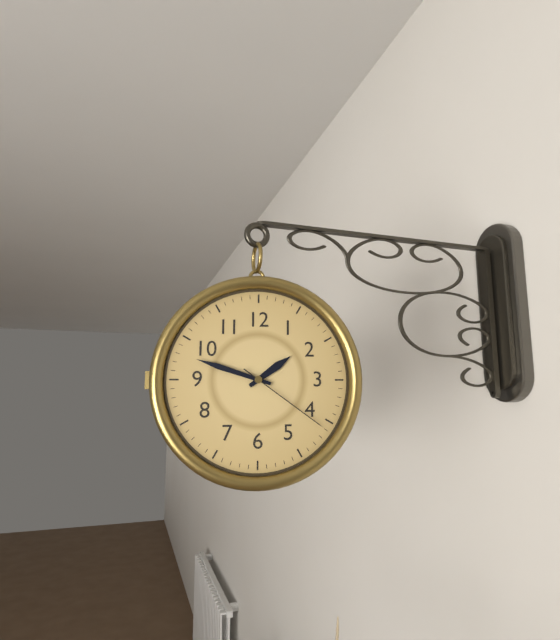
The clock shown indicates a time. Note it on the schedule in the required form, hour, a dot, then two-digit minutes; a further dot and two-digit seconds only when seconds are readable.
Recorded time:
1.48.21
